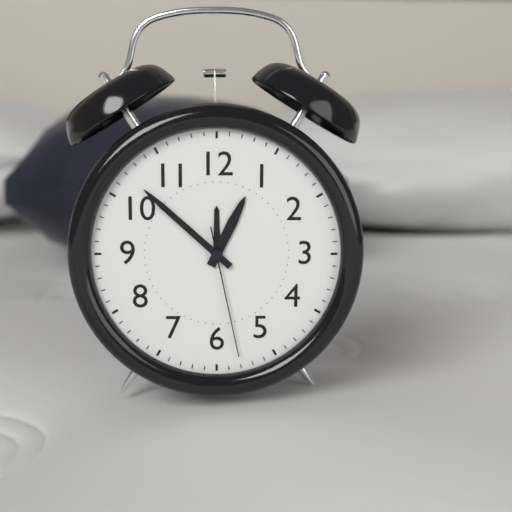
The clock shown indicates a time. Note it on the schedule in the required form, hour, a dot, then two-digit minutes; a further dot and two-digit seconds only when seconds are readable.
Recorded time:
12.52.28
